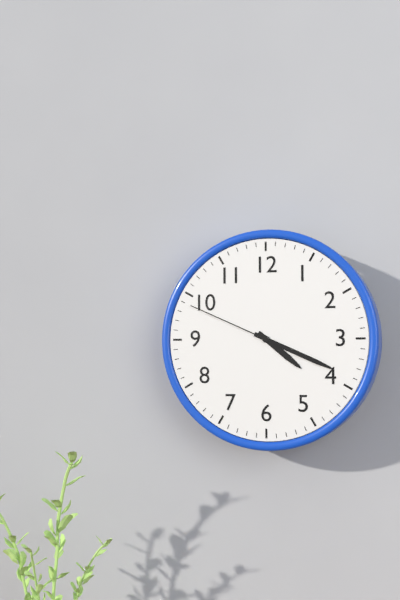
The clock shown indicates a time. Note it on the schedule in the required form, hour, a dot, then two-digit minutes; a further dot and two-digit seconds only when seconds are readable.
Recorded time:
4.19.49
